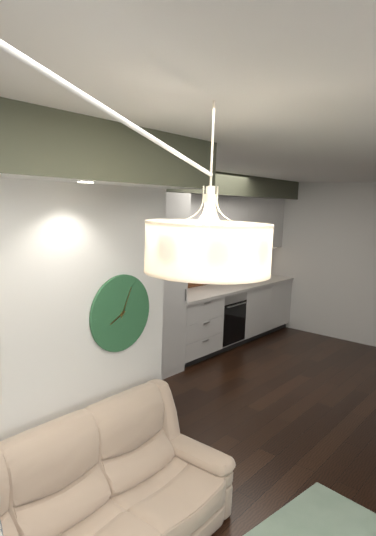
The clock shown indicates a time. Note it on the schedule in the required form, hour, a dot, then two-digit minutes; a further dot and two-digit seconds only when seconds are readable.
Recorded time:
8.04
